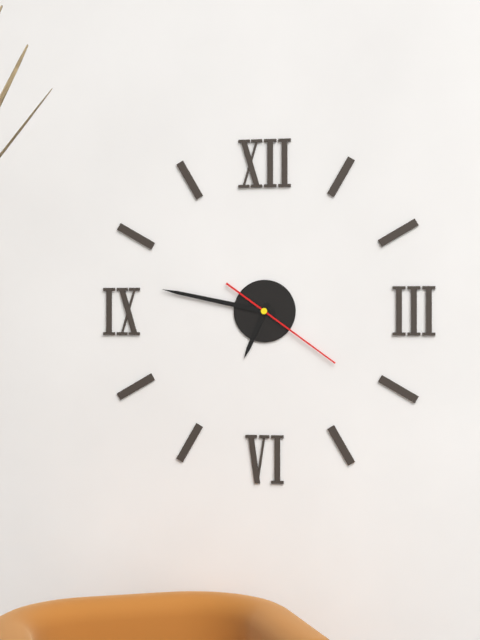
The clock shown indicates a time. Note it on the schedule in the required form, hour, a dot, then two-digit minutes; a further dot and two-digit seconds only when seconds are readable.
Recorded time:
6.47.21
